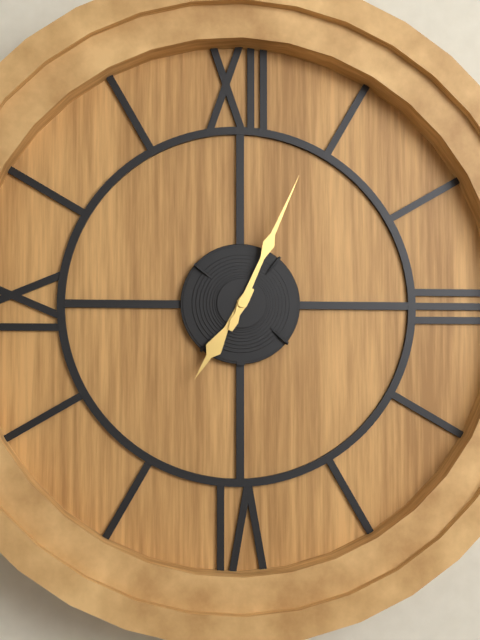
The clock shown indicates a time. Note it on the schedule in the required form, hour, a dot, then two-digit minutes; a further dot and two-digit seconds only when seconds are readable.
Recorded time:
7.04
